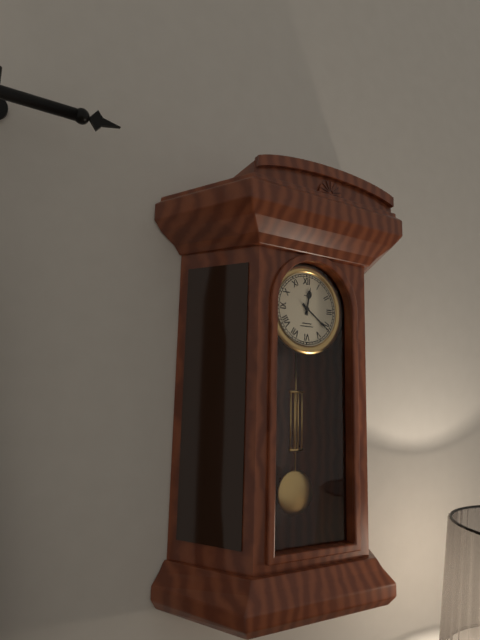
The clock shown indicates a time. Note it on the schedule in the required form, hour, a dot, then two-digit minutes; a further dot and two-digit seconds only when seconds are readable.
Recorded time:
12.21
